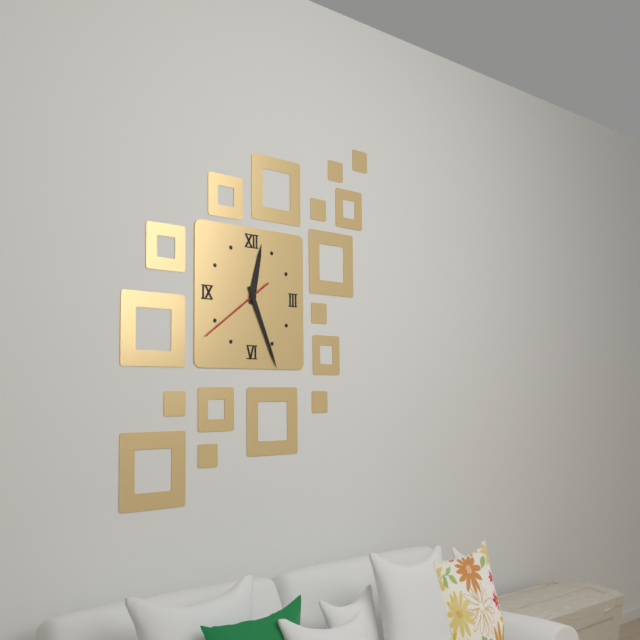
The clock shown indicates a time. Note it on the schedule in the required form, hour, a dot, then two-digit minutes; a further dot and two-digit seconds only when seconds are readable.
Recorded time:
12.26.39
